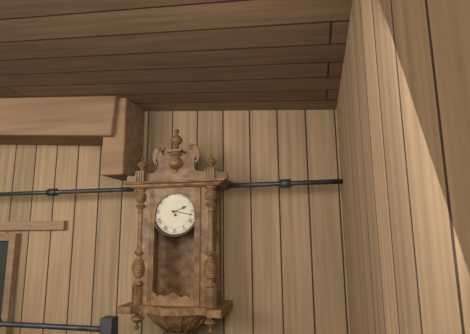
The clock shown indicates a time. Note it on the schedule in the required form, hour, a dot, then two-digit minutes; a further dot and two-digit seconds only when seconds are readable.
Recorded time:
2.17
